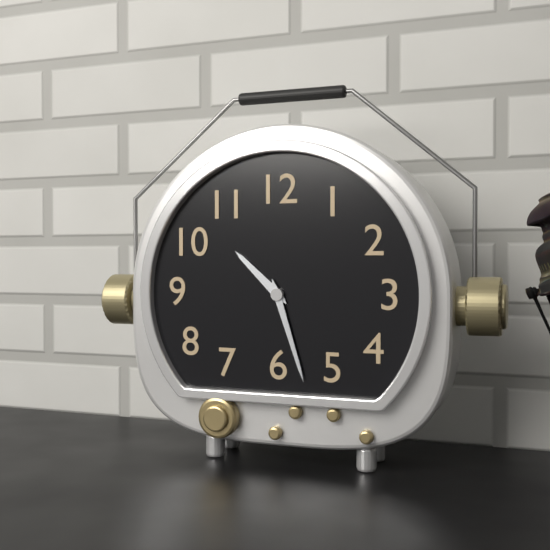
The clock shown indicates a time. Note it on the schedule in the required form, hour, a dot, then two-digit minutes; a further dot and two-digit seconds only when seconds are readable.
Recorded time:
10.27
